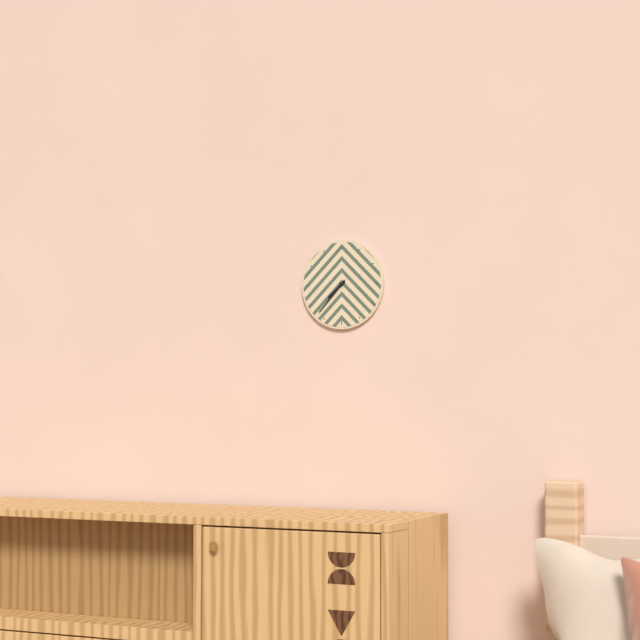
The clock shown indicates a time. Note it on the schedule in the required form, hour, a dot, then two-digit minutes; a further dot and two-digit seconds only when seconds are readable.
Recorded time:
7.37
